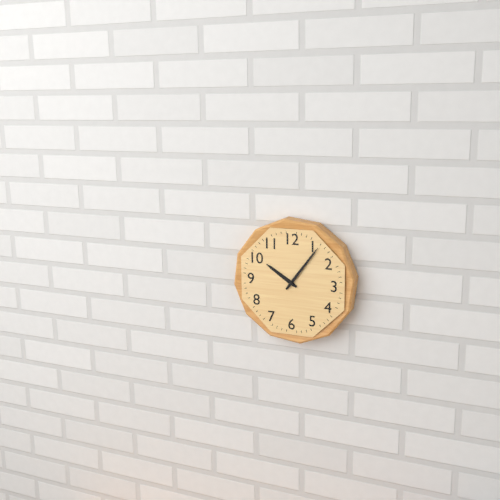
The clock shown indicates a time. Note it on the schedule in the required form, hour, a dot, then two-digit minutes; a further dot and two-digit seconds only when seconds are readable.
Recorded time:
10.06
